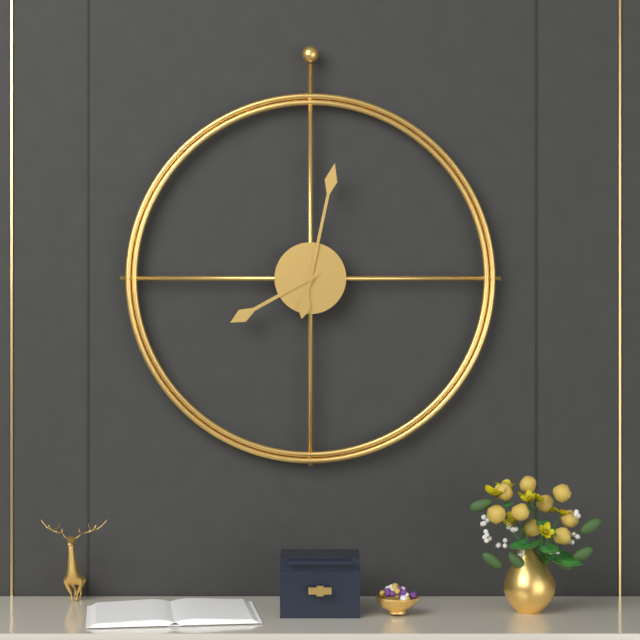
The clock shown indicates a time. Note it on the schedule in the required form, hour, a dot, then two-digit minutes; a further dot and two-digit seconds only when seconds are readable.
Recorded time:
8.02
